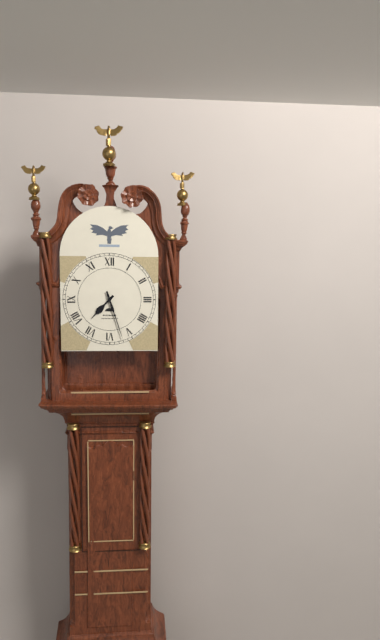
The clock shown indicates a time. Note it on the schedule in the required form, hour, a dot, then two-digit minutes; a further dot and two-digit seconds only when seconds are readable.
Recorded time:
7.27
